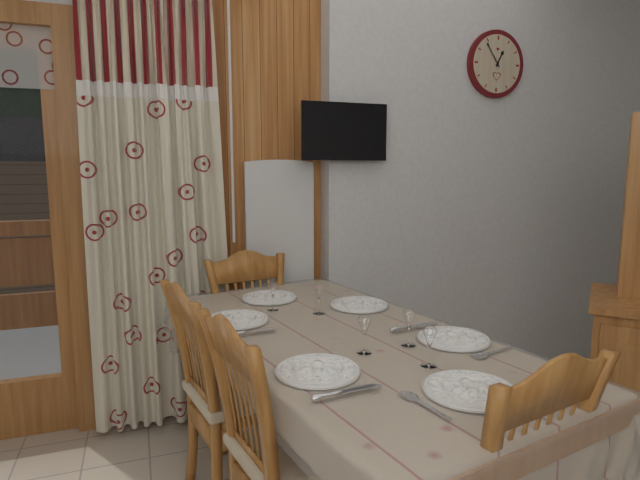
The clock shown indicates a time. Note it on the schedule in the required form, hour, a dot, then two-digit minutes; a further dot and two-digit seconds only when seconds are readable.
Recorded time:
12.54
